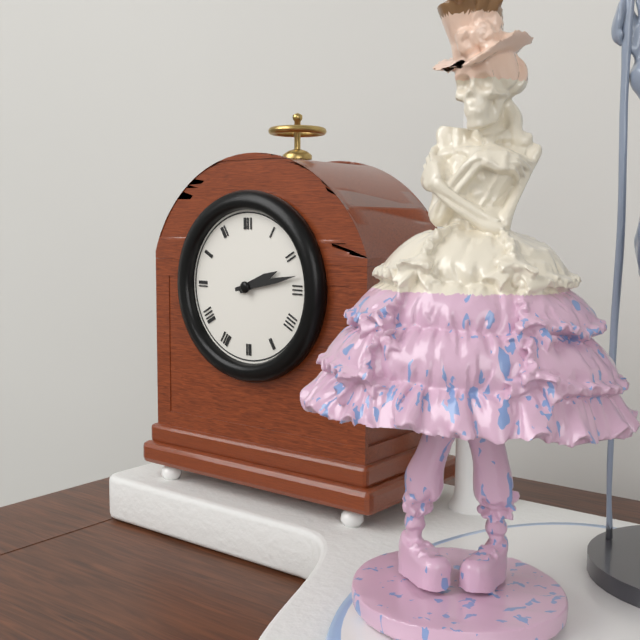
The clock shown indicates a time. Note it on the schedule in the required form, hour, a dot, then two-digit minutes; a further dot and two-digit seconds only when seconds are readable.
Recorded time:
2.13
